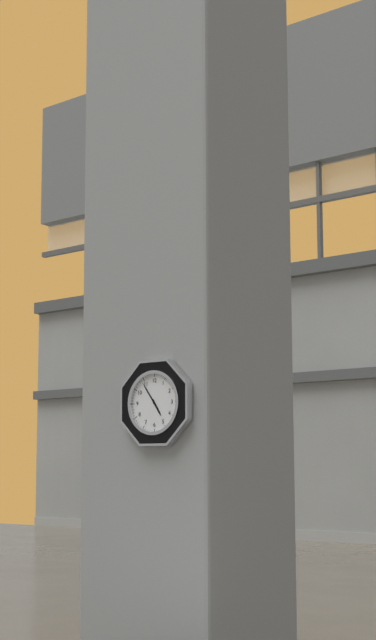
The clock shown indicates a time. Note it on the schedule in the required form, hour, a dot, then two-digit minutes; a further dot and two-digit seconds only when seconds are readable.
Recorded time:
4.54
